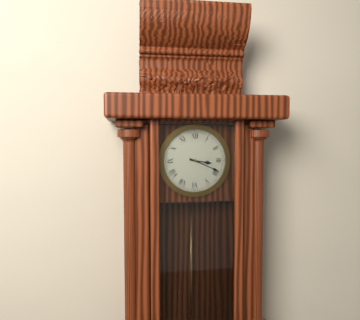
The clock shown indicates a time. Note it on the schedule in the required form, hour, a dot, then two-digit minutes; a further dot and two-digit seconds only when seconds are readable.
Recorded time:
3.19
